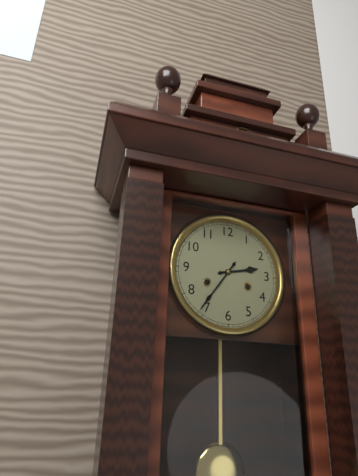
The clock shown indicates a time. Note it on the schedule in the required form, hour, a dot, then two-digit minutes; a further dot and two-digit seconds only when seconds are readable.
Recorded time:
2.36
